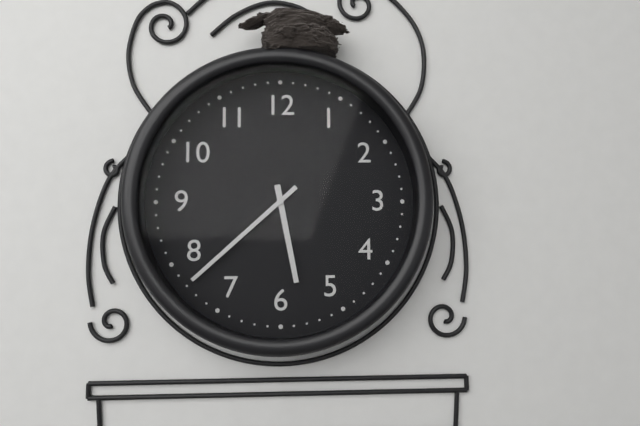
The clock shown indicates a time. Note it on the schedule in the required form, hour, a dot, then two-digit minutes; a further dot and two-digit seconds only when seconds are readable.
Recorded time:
5.38
